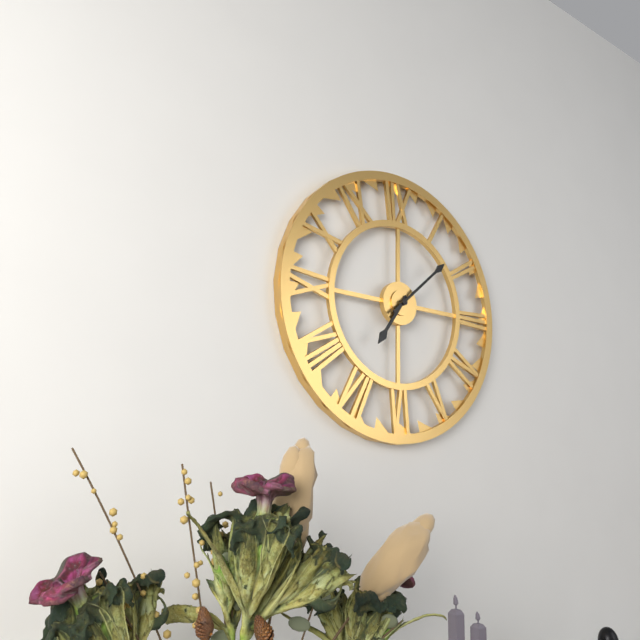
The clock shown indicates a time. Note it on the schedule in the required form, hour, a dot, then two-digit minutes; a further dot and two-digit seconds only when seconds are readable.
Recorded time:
7.08
